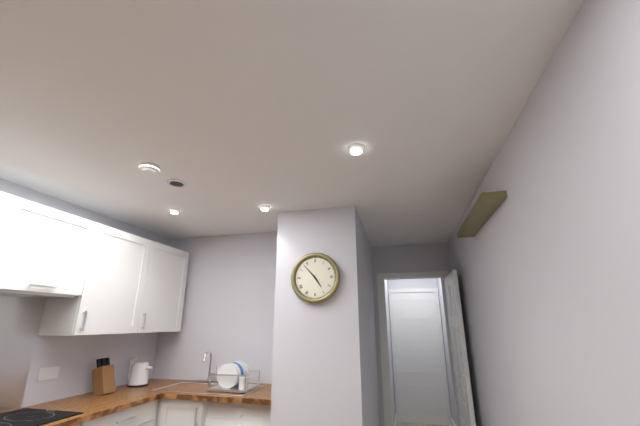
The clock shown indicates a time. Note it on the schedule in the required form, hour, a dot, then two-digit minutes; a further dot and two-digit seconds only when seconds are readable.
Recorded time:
4.53
